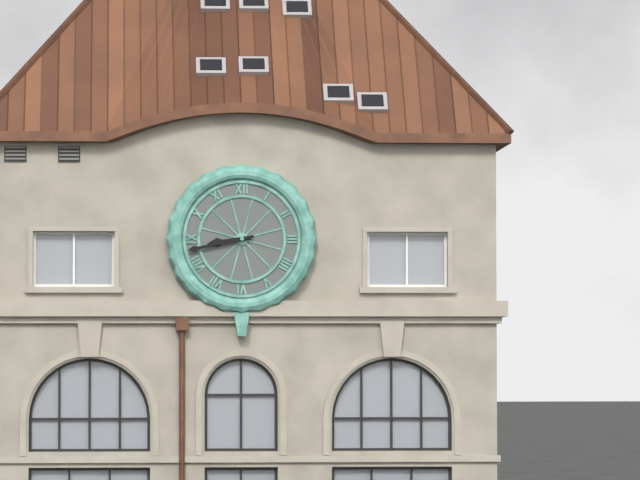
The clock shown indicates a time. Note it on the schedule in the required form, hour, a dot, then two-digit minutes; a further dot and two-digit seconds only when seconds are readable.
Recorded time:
8.43
